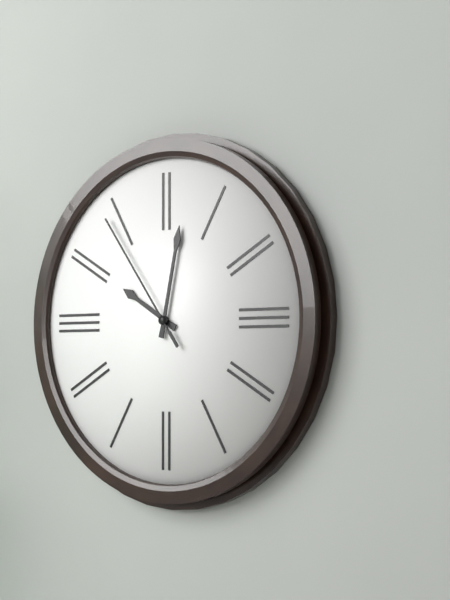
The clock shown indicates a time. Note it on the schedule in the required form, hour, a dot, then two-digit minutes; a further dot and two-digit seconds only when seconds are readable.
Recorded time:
10.02.54
